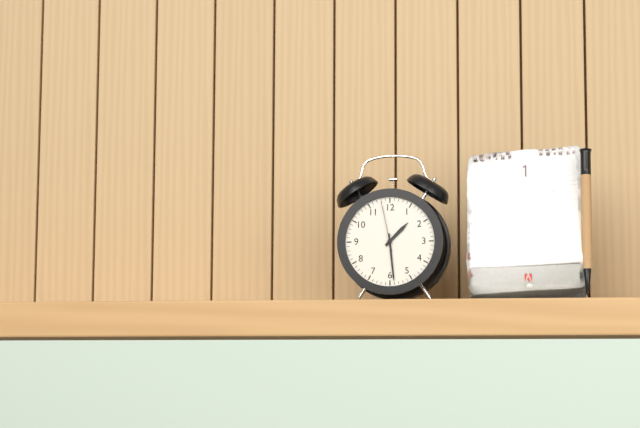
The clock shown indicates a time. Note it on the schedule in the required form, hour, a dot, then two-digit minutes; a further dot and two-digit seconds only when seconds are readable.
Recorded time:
1.29.58
